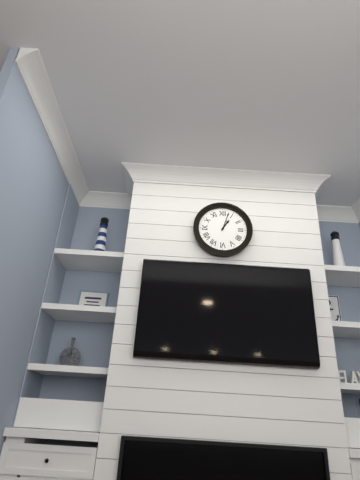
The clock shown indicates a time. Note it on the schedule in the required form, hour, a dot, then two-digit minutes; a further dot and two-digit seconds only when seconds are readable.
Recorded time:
1.03
